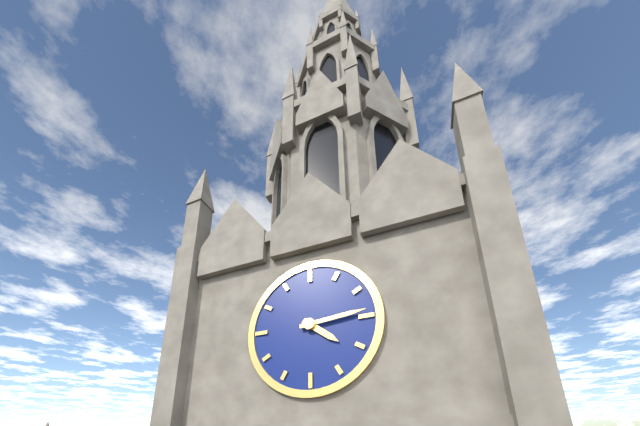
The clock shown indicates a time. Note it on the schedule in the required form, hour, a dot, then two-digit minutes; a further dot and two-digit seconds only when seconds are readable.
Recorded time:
4.14
